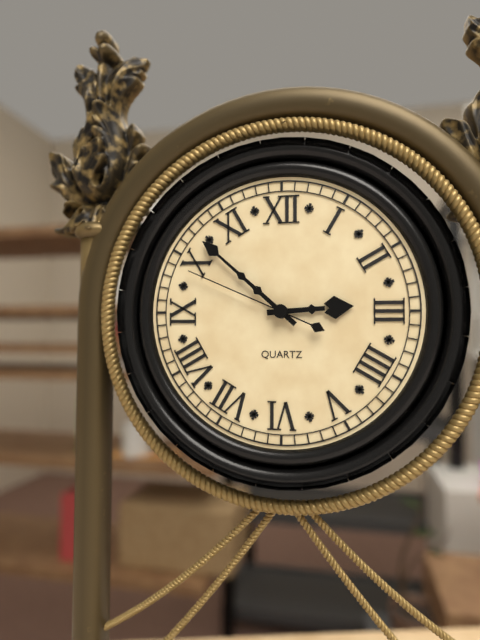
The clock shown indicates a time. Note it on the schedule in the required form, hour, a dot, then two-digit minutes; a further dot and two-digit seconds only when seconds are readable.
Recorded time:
2.52.49
